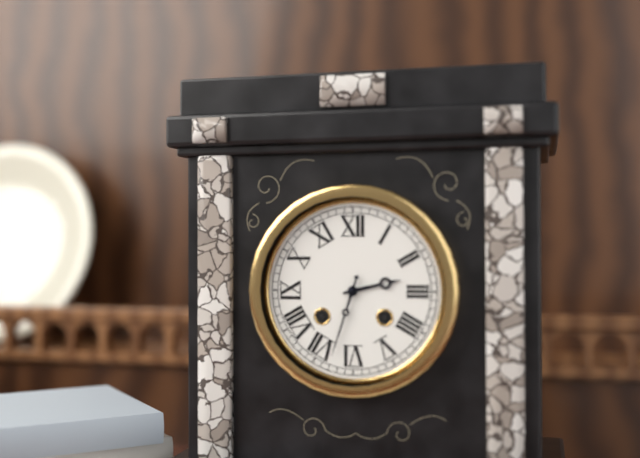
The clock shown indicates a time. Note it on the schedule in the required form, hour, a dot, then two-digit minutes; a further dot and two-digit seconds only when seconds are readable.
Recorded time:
2.33
